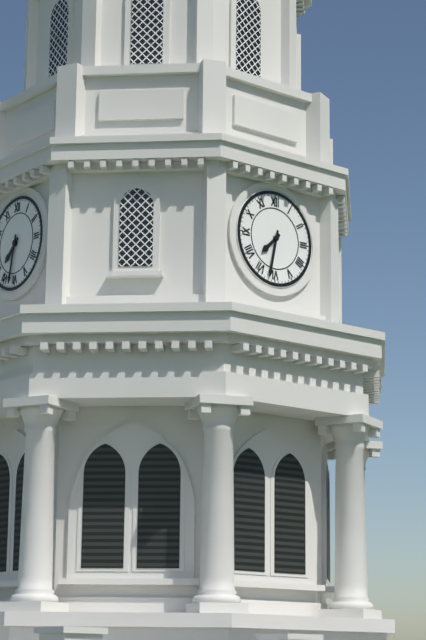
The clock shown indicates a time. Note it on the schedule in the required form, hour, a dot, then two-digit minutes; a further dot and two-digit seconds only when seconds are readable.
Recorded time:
7.32
